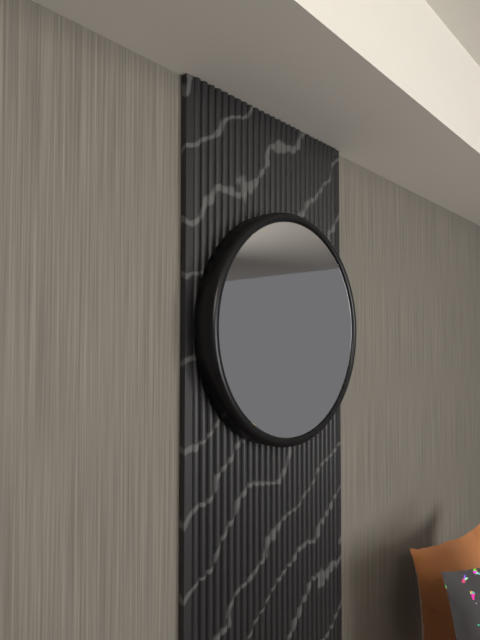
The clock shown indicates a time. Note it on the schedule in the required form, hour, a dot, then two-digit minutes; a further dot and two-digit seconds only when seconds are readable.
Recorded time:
2.17
